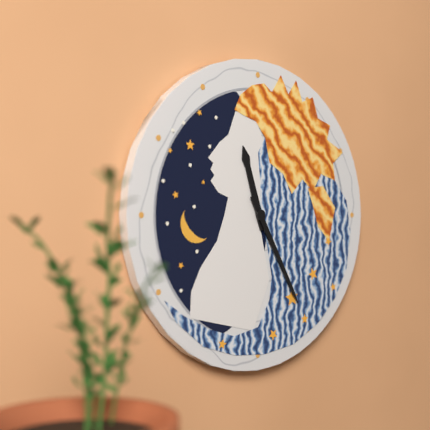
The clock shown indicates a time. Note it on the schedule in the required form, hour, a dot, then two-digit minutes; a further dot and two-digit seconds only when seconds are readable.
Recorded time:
11.25
